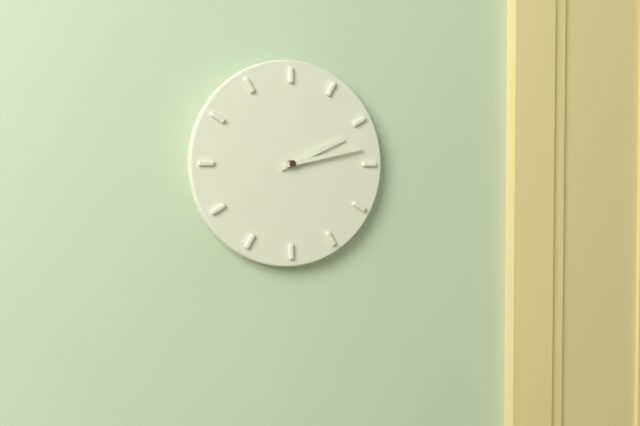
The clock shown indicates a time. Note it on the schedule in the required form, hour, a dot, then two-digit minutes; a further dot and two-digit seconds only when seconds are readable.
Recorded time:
2.13
